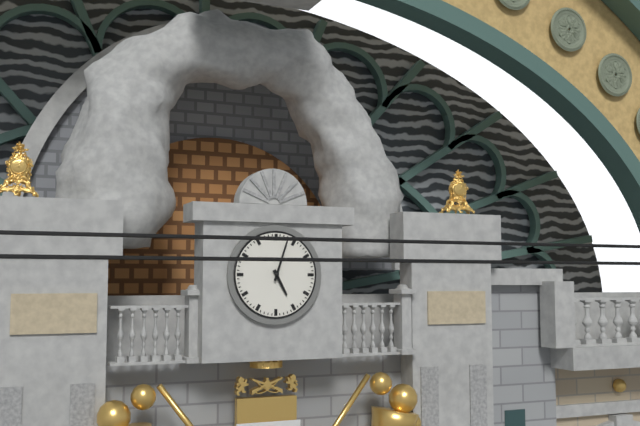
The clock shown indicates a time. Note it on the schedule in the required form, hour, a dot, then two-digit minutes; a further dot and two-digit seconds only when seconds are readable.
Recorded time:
5.03
